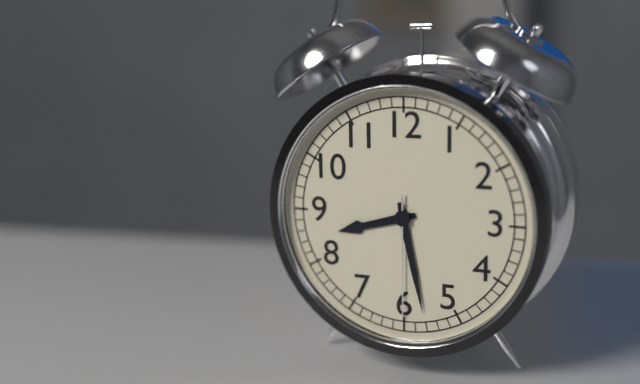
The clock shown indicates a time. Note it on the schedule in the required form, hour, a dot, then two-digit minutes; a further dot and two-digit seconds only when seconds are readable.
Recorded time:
8.28.30
